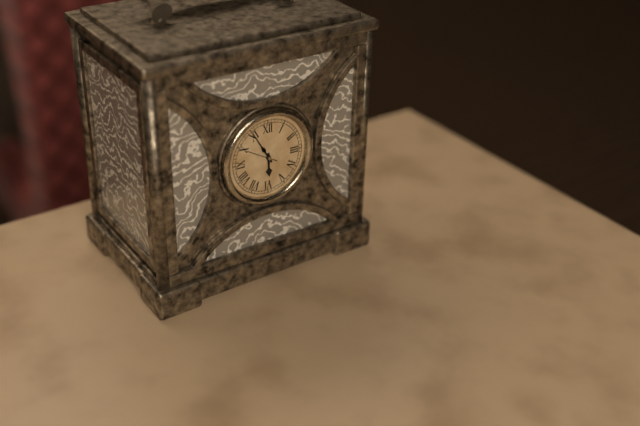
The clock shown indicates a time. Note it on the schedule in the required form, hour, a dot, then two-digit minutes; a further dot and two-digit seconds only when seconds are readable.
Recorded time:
5.55
